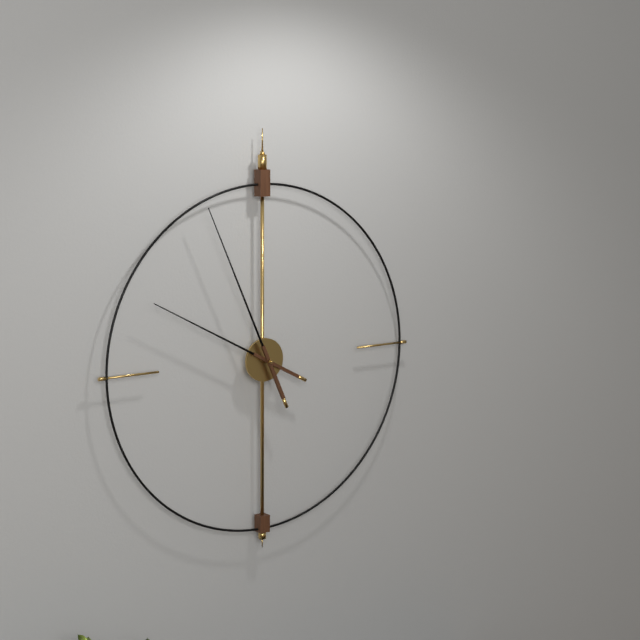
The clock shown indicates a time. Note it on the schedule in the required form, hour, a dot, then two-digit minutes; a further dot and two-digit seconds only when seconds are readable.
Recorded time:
9.56
